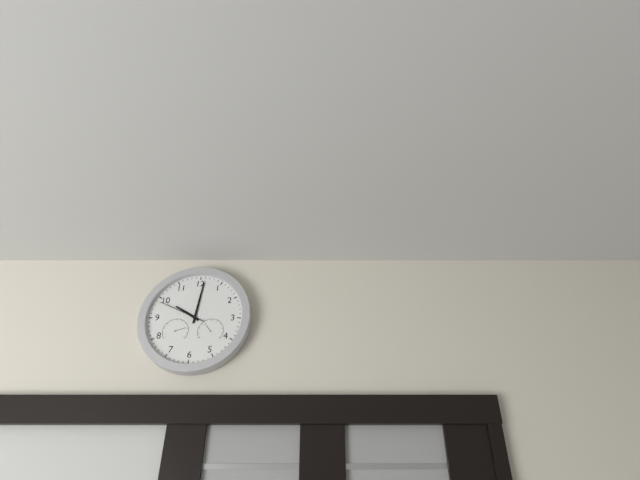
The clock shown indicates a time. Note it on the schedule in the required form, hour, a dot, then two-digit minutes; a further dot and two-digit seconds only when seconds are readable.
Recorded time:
10.01
